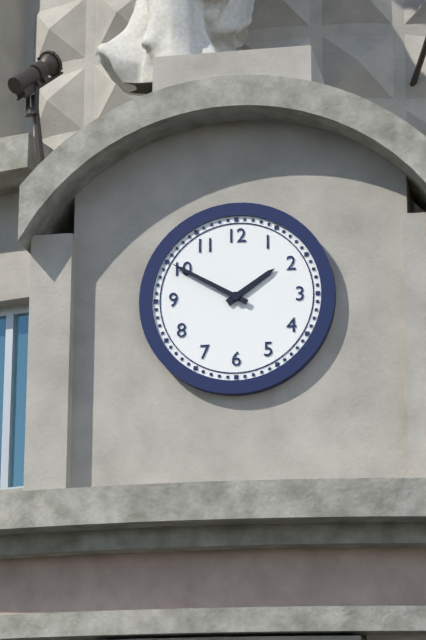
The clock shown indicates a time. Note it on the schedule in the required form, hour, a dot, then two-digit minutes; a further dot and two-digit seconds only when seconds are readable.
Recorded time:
1.50
